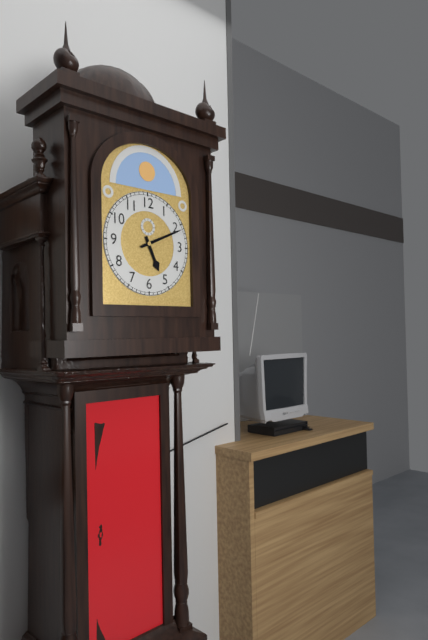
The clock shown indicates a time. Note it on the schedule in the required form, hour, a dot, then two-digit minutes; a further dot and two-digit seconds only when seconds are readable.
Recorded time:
5.11
